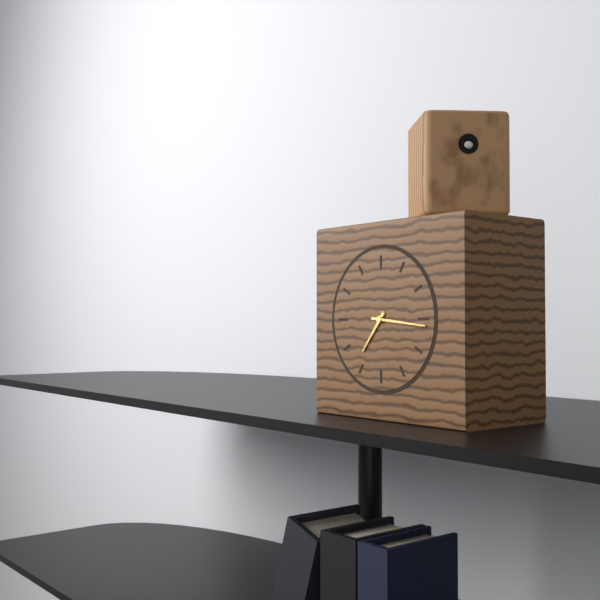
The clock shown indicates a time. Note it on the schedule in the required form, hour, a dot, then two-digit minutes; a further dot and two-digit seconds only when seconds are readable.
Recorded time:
7.16
